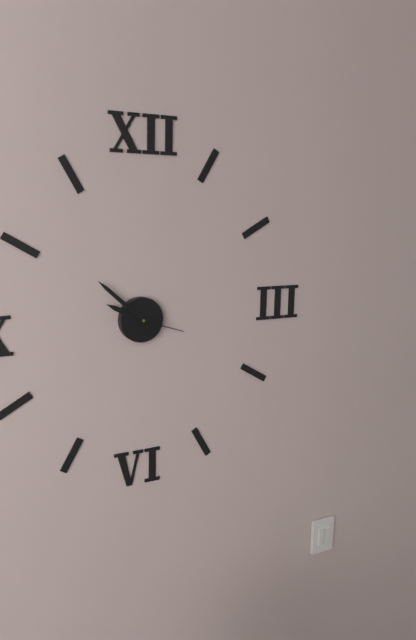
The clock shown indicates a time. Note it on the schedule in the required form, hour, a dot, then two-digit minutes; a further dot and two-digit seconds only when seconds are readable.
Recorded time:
9.52.18
